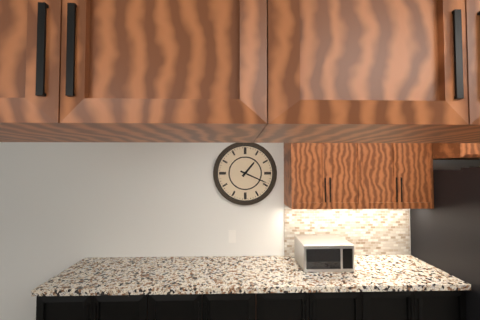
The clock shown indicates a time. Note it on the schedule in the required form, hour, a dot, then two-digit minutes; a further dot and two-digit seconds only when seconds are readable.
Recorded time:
1.19
